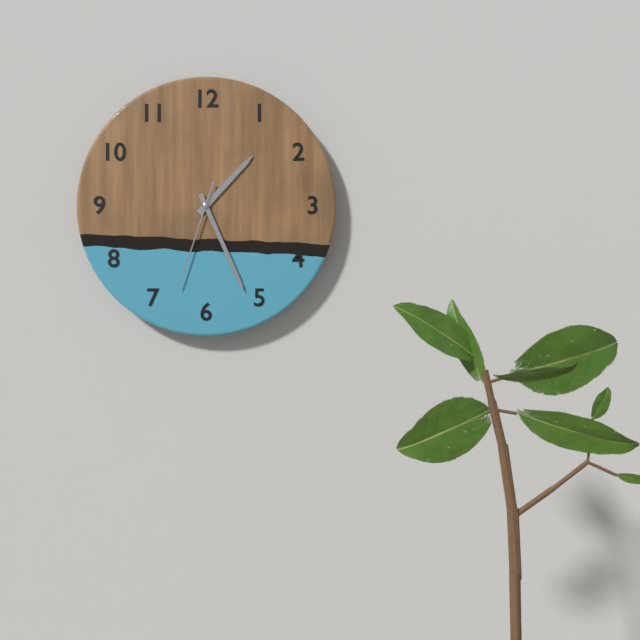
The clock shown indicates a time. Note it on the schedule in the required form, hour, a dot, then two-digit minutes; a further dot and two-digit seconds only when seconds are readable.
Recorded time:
1.26.33
